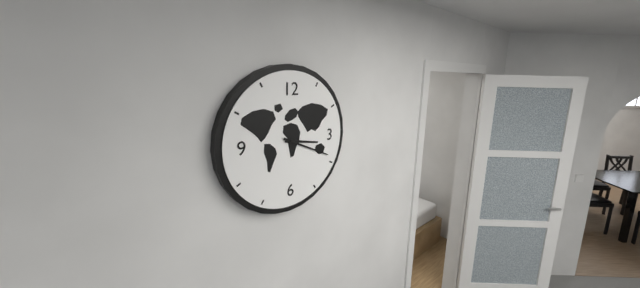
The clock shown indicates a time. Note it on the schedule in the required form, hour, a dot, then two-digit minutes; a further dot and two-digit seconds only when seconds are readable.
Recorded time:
3.19
